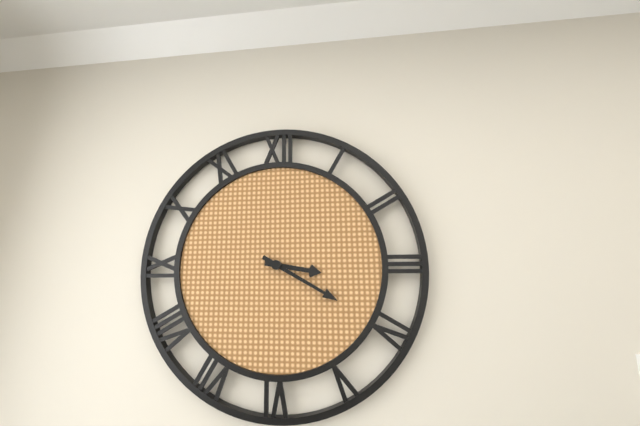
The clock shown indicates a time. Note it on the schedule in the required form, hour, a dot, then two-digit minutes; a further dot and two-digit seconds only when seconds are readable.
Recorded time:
3.20
